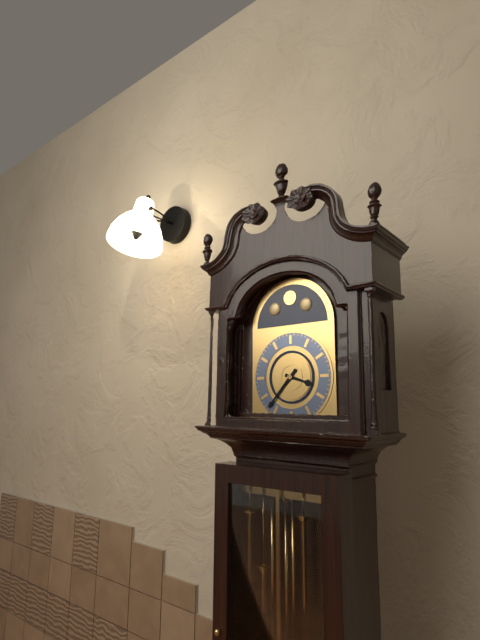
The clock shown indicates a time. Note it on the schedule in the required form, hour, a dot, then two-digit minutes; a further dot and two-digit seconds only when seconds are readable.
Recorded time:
3.37
